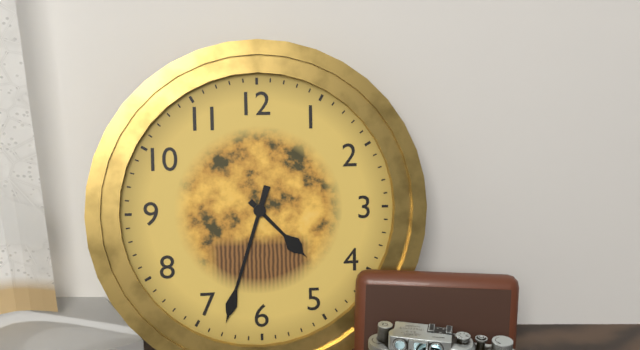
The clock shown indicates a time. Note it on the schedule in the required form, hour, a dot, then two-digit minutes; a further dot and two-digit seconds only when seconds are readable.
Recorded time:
4.33
